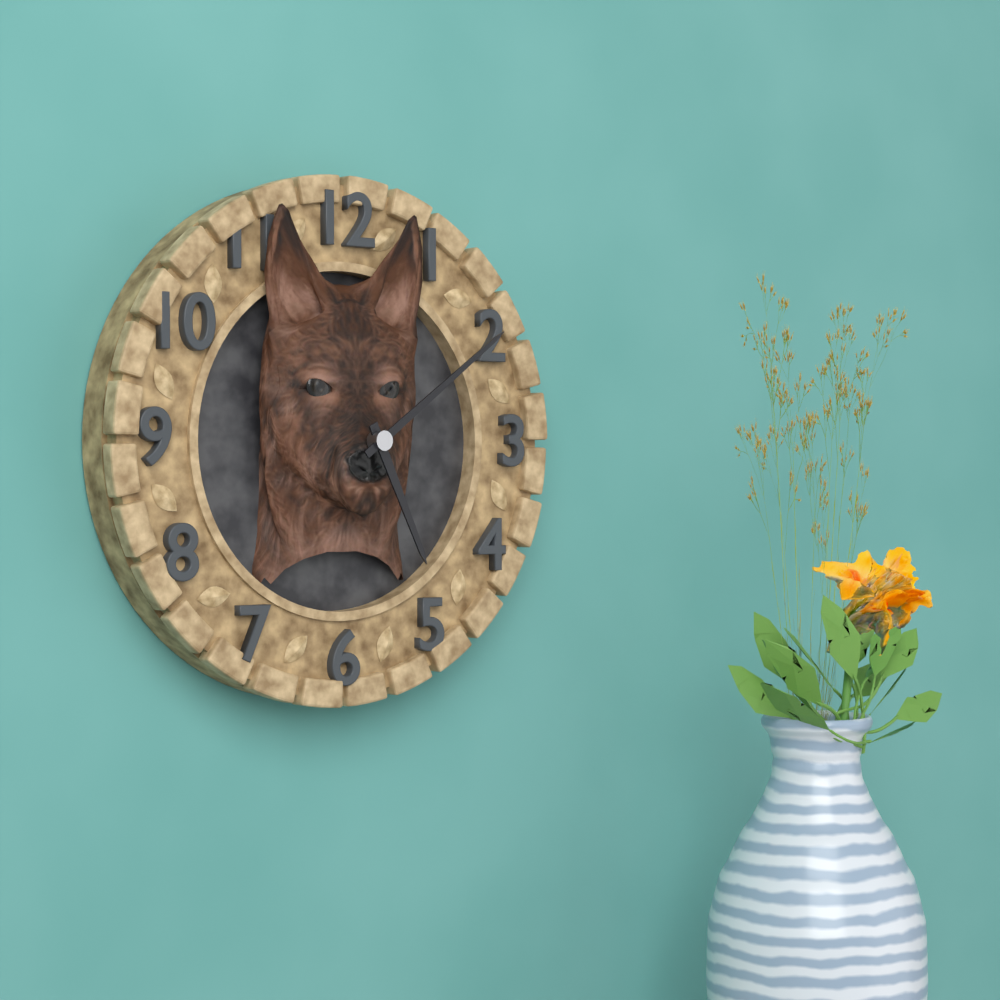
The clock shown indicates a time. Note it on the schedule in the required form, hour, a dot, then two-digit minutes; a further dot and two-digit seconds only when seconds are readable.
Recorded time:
5.09
